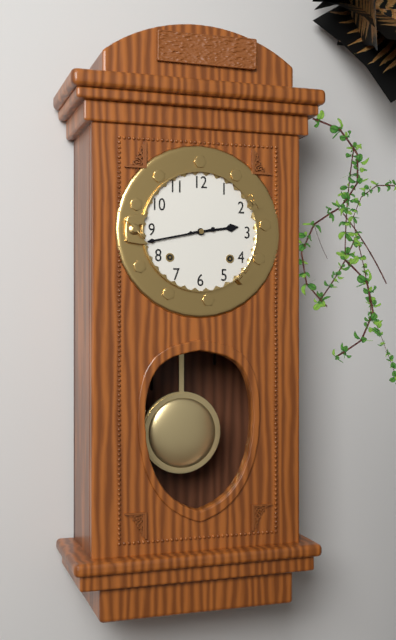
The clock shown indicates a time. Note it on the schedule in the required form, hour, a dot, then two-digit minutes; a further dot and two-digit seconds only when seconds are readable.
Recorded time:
2.43
